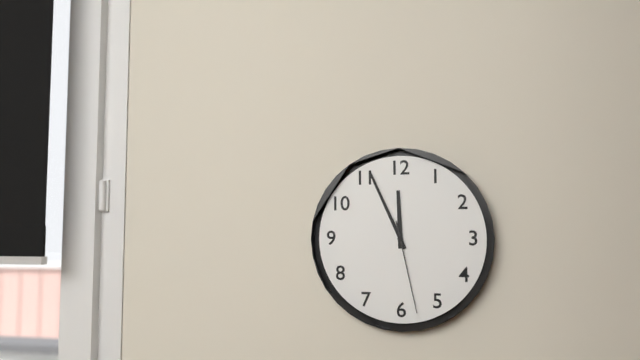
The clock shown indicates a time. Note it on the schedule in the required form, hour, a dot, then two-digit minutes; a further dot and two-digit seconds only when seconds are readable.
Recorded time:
11.56.28
